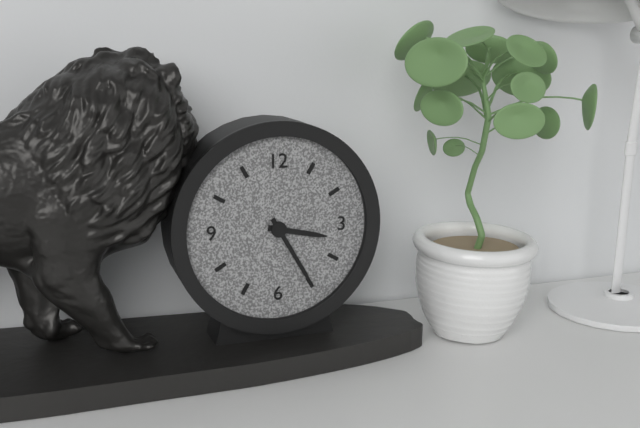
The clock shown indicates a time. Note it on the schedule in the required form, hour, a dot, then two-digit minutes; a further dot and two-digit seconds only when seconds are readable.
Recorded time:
3.25
